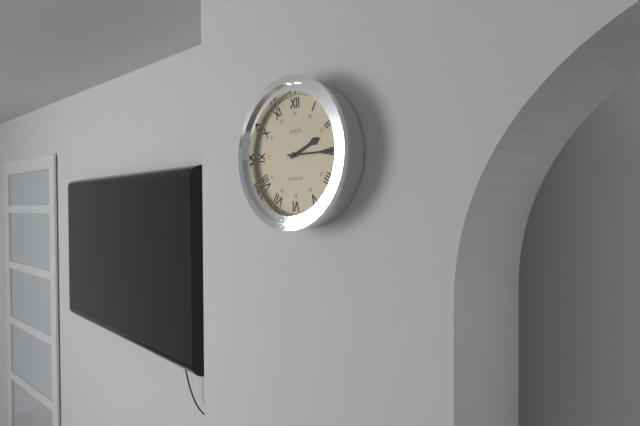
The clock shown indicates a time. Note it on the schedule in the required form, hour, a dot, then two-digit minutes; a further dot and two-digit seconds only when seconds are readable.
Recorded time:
2.15
